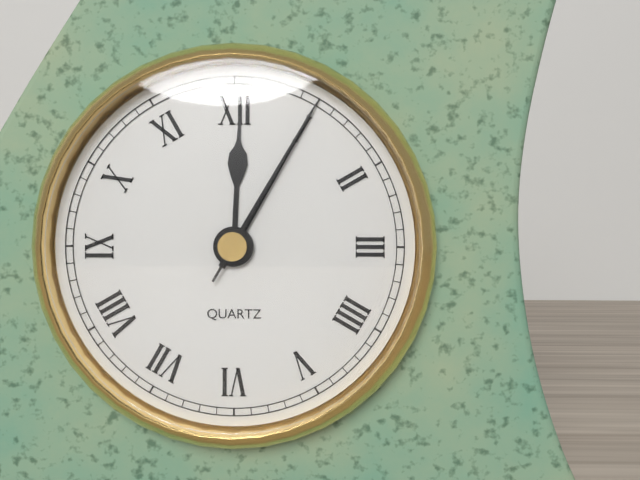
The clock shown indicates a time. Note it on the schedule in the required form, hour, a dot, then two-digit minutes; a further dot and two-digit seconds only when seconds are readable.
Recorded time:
12.05.05
